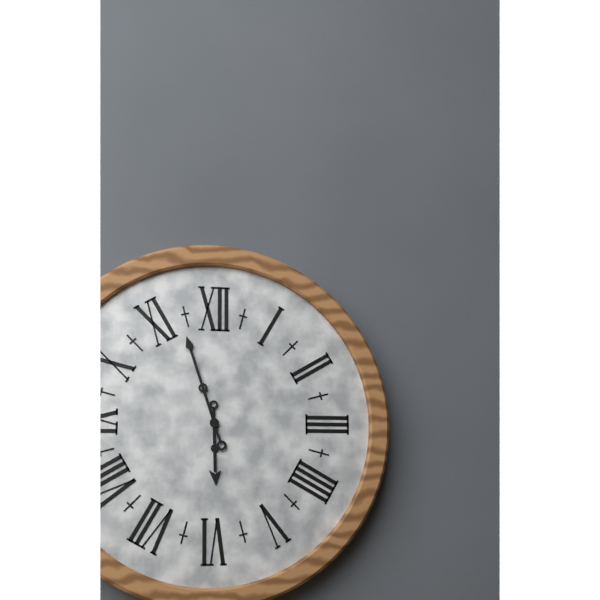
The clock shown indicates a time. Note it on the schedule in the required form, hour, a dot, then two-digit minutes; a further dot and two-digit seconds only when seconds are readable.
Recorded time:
5.57
